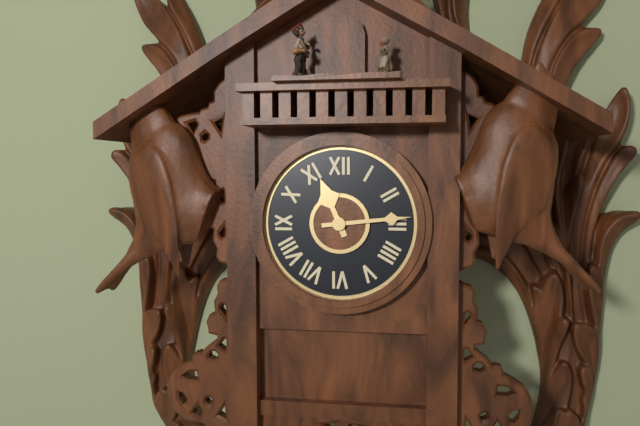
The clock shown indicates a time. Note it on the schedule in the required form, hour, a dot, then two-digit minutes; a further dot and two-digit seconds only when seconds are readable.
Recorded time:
11.14
